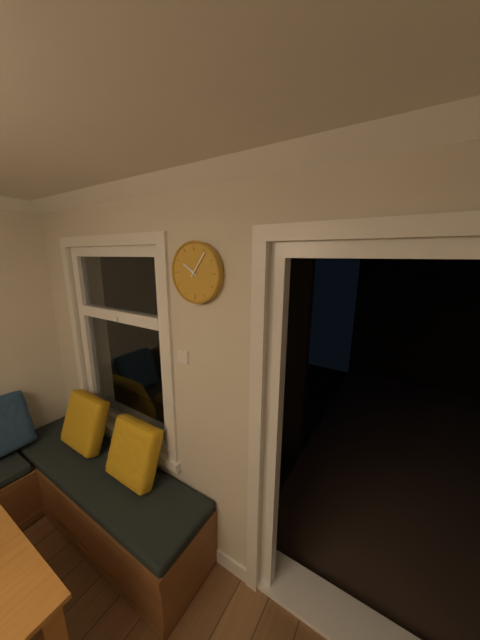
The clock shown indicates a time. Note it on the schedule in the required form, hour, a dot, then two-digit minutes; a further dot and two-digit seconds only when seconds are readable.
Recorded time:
10.06
